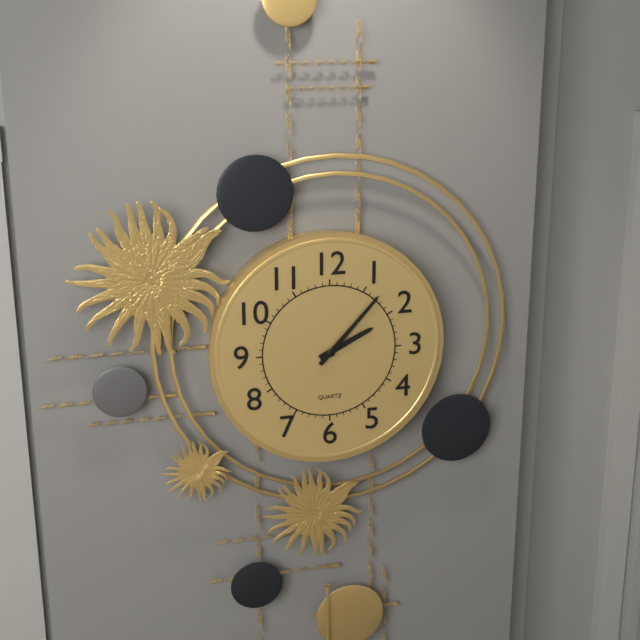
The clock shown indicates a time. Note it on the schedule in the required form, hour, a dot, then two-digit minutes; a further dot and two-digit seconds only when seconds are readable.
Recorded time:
2.07
